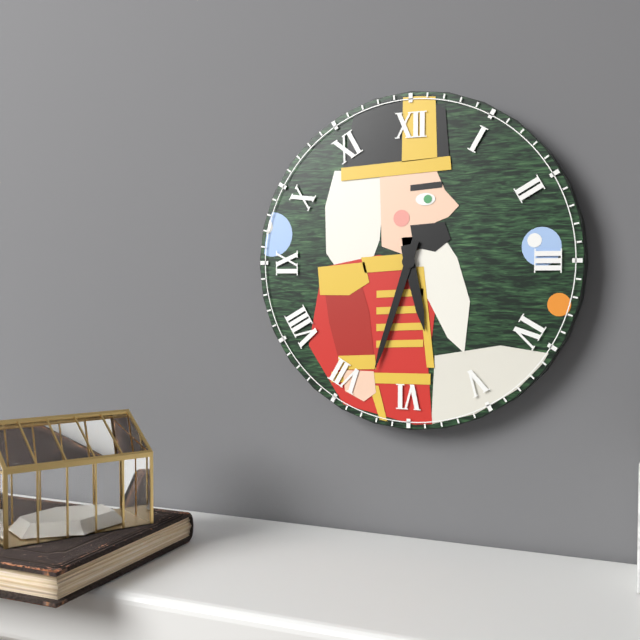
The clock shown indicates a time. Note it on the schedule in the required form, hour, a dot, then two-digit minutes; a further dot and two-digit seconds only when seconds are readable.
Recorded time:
5.33
